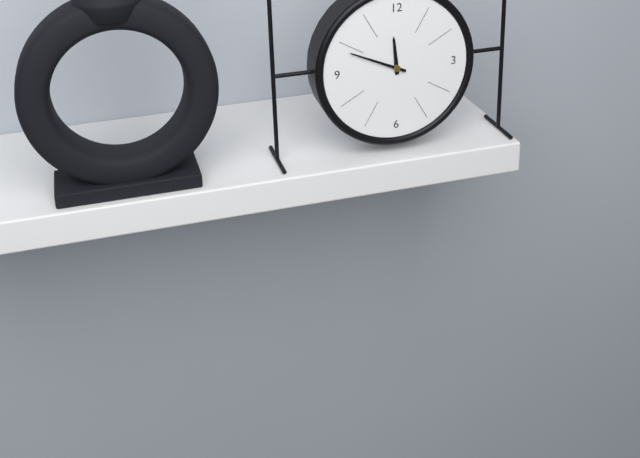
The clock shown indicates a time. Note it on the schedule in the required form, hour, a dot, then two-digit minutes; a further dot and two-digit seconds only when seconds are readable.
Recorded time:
11.49
